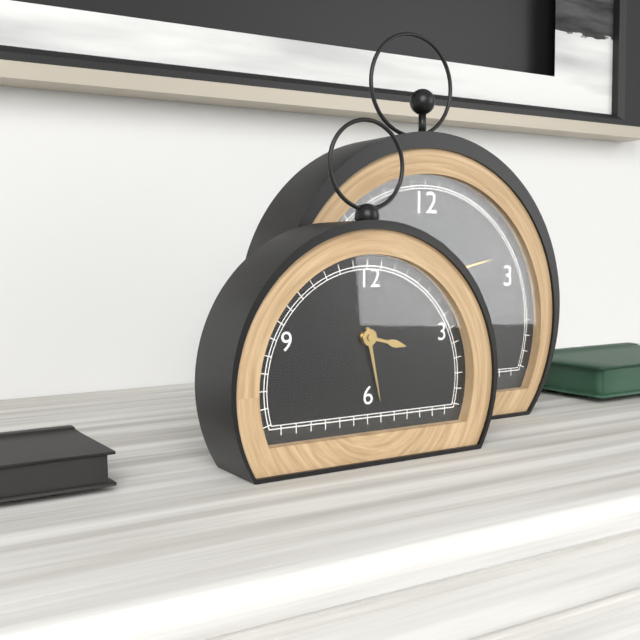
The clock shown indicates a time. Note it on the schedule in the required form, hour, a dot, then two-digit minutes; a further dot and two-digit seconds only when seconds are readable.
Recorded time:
3.28
